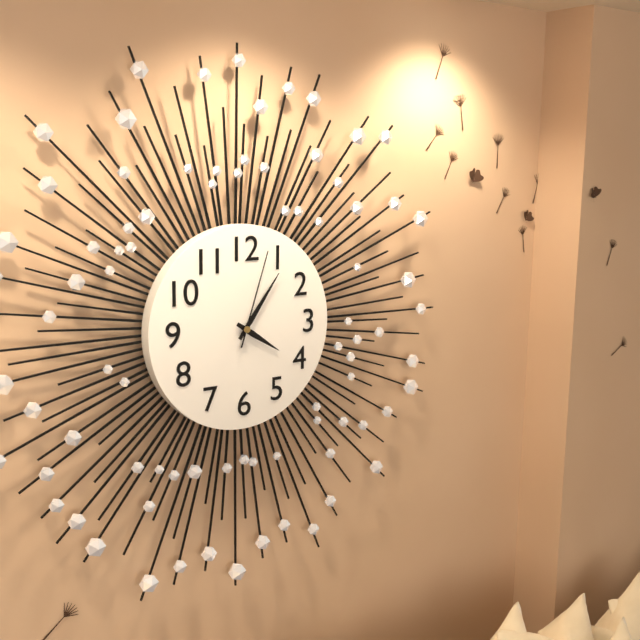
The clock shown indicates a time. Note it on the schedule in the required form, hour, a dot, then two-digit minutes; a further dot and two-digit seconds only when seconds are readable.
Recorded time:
4.06.03
